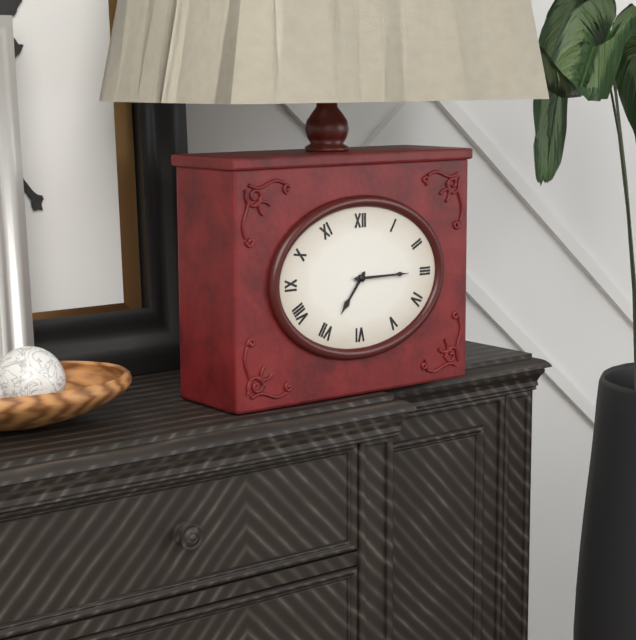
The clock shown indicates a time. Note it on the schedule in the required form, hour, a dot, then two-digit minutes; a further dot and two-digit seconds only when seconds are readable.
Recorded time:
7.15
